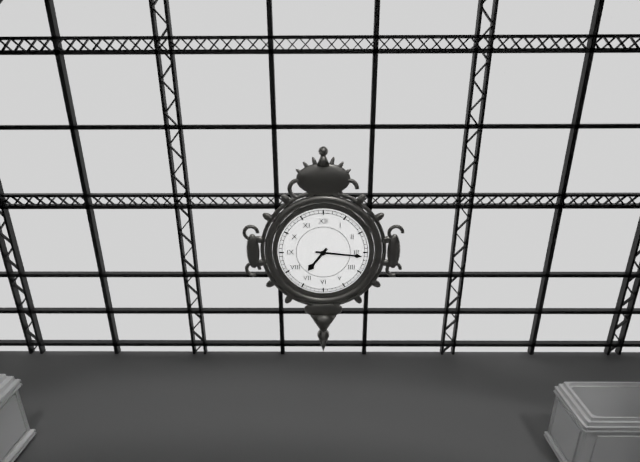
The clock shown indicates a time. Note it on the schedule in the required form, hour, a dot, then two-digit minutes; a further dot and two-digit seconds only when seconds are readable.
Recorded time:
7.16
